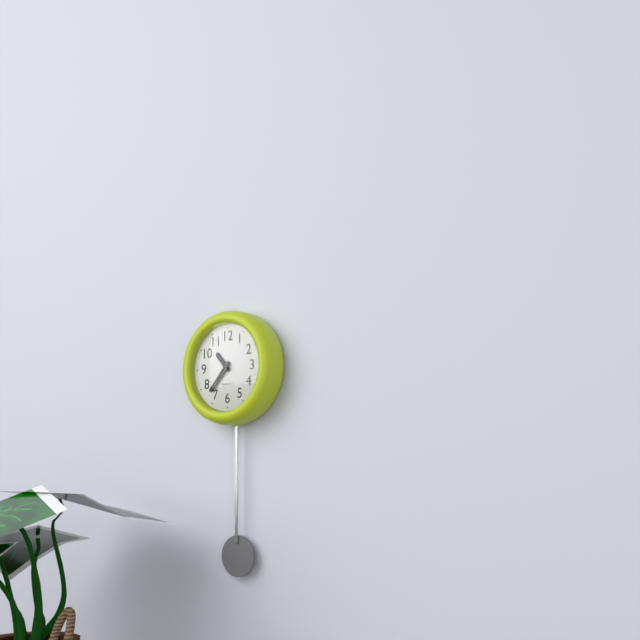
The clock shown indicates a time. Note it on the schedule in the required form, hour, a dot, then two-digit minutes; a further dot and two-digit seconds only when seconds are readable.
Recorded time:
10.37
